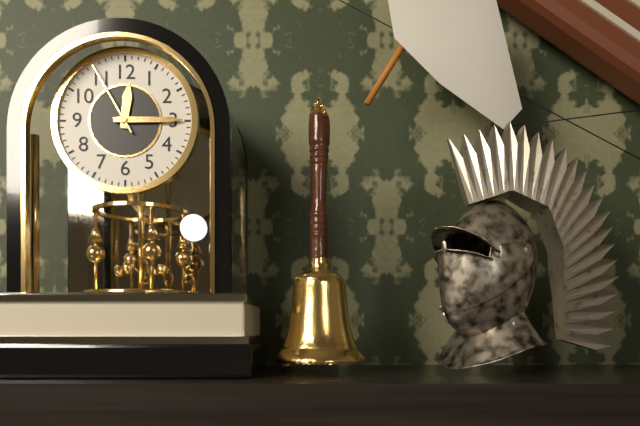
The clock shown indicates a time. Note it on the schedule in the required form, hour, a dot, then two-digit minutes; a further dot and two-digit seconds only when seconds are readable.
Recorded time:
12.15.55
